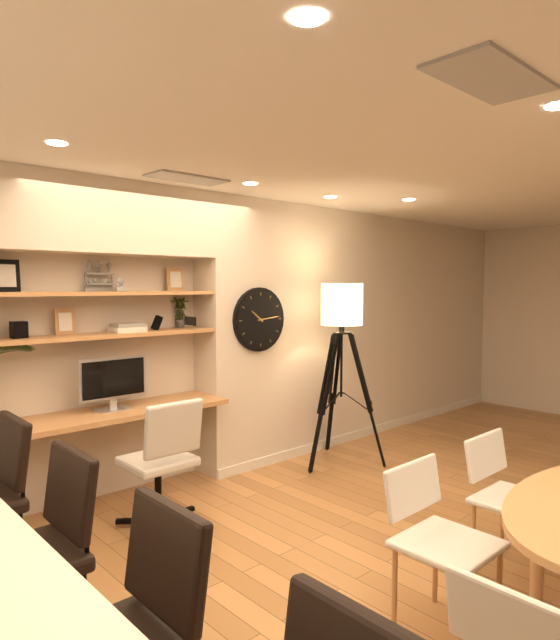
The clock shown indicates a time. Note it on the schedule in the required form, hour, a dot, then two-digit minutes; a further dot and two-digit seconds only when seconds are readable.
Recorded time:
10.14
